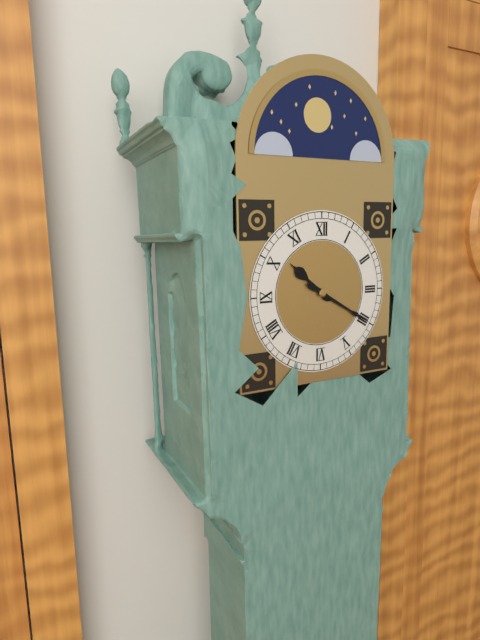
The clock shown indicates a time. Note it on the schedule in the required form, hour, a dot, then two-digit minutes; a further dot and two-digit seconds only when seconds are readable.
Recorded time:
10.20
